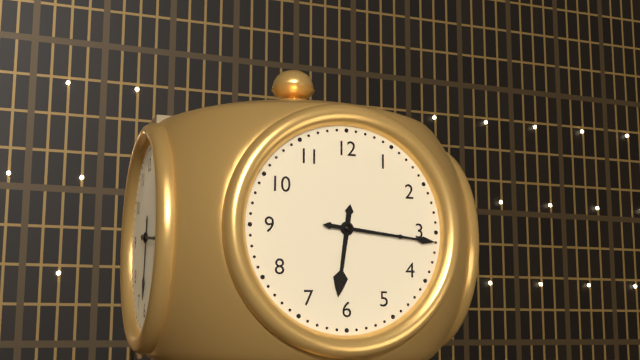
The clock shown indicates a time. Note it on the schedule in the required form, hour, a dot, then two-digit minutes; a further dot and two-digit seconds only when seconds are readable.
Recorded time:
6.16
